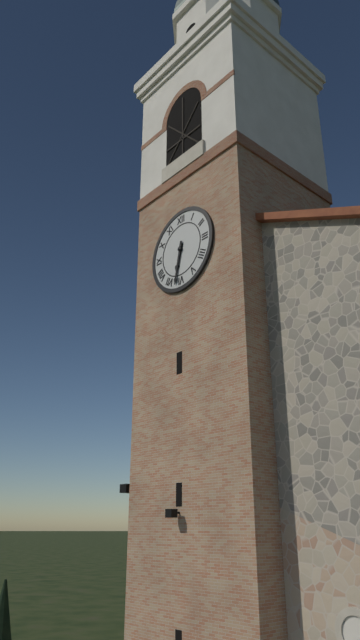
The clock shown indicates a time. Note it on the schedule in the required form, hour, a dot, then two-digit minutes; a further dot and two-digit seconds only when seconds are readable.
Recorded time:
6.32
